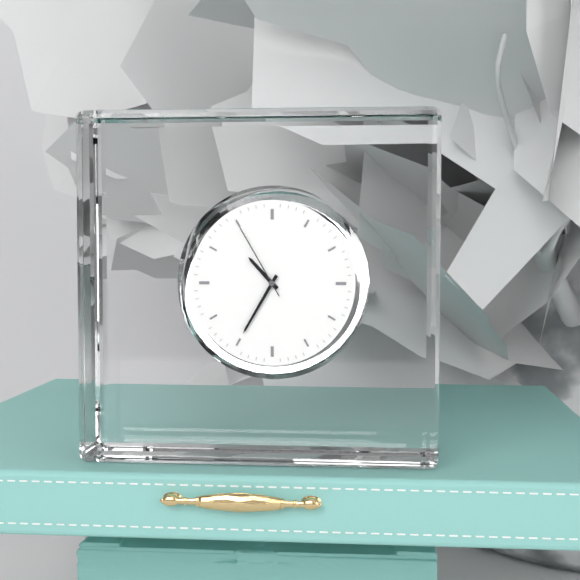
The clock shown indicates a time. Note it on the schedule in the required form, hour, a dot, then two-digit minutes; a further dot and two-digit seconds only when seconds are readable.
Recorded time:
10.35.55
